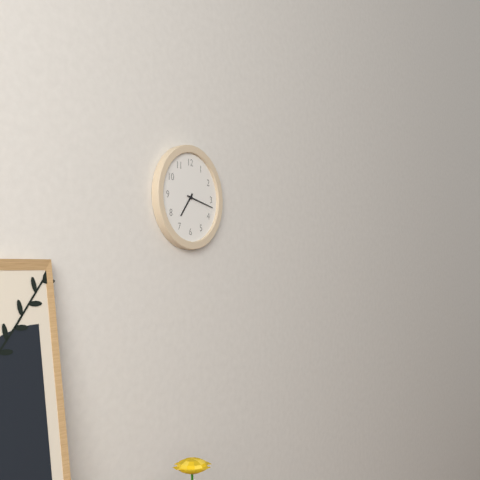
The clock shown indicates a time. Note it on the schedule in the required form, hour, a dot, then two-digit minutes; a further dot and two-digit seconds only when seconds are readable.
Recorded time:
7.17
